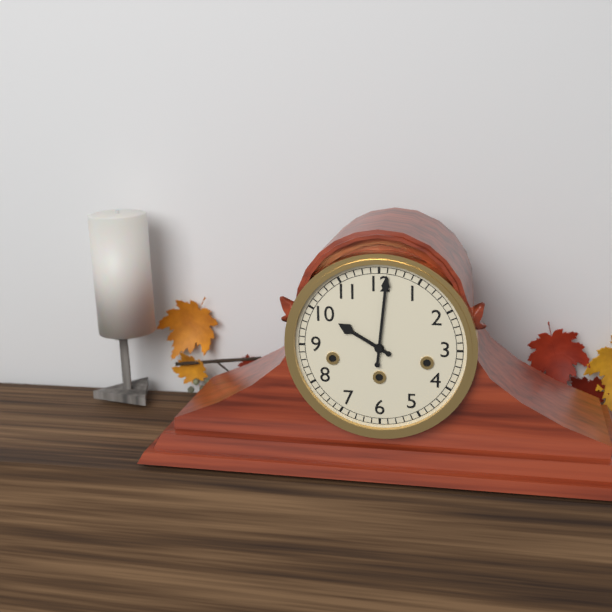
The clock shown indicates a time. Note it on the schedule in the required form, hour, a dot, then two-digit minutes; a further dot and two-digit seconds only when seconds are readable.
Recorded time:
10.01
